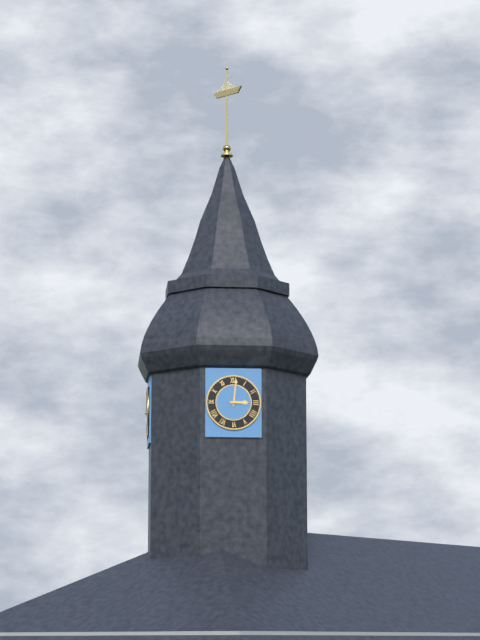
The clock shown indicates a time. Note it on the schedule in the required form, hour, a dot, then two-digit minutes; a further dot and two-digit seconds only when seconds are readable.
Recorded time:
3.01
